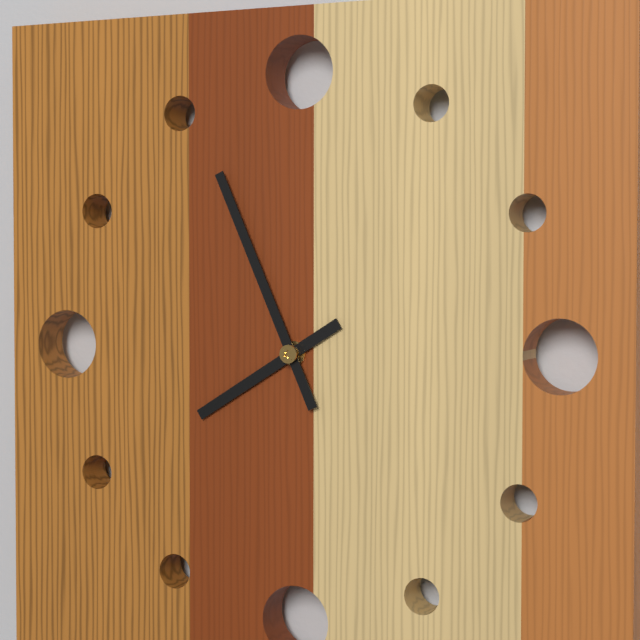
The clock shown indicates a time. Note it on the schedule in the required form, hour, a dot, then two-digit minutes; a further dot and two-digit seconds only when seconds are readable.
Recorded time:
7.56
